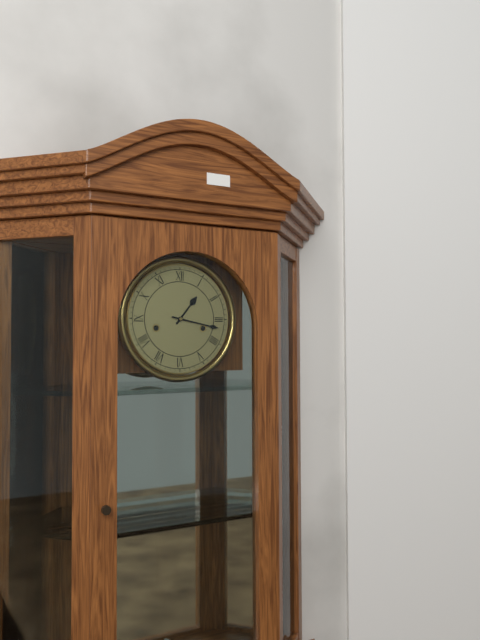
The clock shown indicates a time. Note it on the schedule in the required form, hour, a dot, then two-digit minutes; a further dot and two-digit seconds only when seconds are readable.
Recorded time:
1.17
